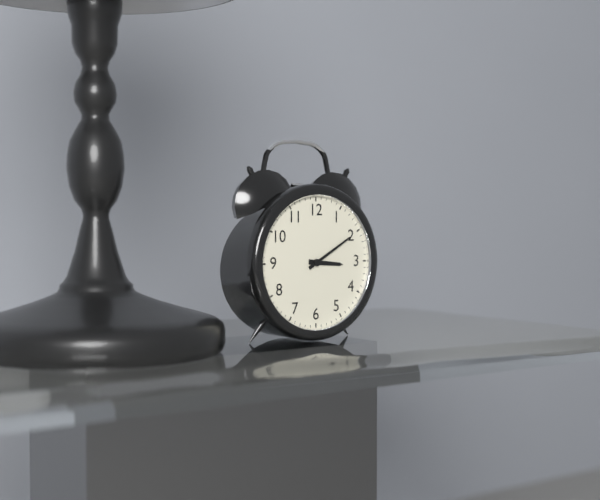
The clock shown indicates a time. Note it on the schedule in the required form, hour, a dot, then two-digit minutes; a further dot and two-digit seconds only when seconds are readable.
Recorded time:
3.10
